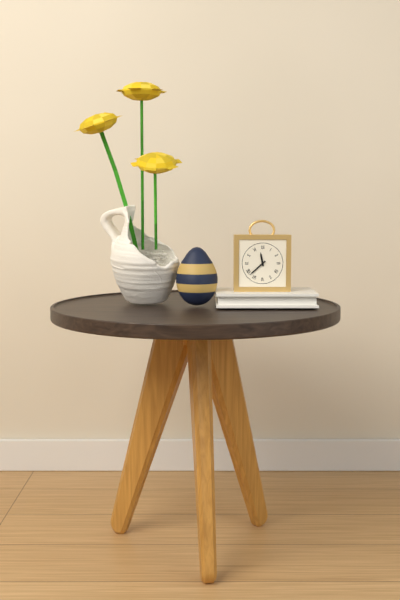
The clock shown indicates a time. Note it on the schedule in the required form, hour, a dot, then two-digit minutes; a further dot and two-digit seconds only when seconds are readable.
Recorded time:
11.38
